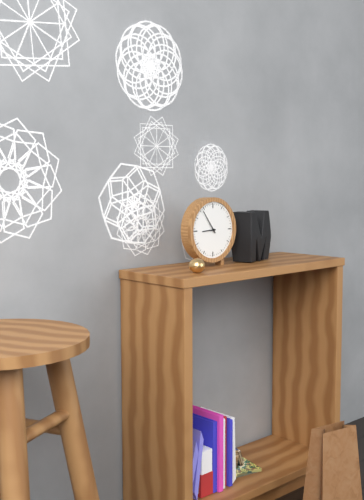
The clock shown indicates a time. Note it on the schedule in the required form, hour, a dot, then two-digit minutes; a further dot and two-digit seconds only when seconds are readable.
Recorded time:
8.54
